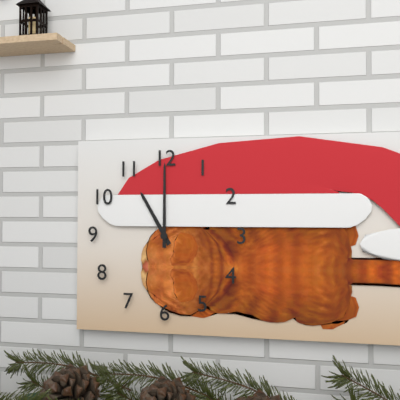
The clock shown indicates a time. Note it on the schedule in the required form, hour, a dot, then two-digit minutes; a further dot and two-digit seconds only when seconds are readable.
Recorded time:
11.00
